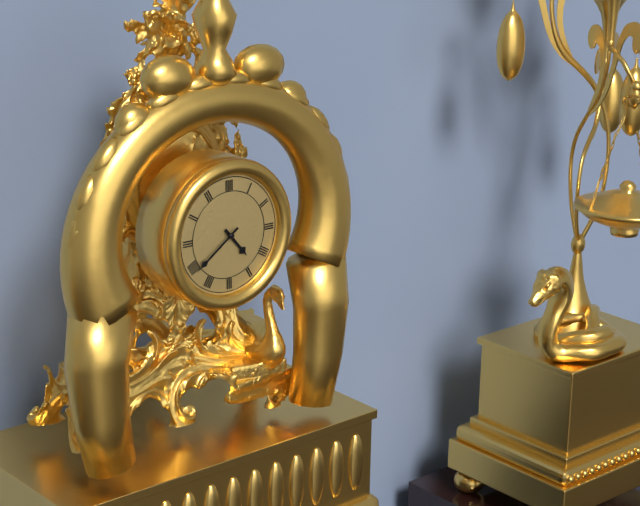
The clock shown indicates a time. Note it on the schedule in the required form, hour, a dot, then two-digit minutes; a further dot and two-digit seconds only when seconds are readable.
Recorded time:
4.39
